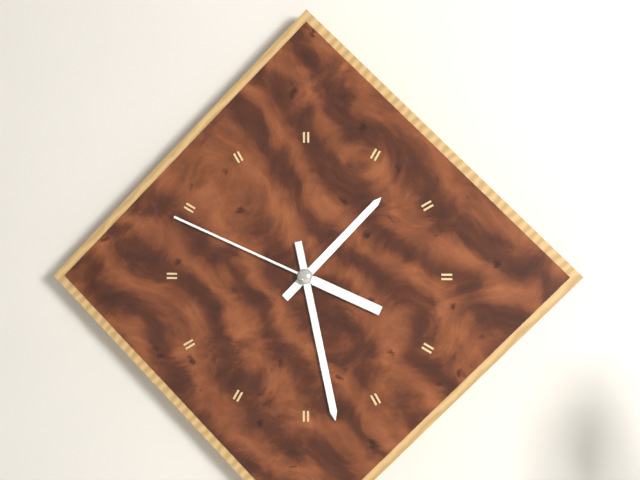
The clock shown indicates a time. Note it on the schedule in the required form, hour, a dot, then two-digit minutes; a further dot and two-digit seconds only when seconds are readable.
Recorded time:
1.28.49
